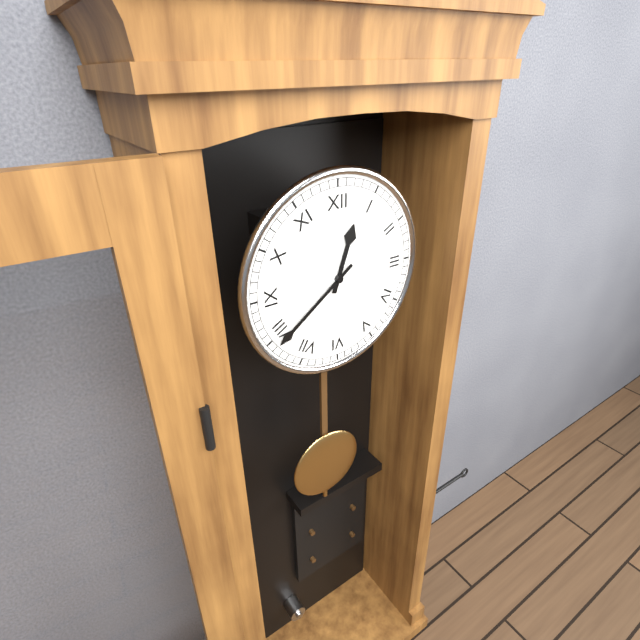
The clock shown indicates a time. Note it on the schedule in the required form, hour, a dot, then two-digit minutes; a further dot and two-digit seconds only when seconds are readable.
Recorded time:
12.39
